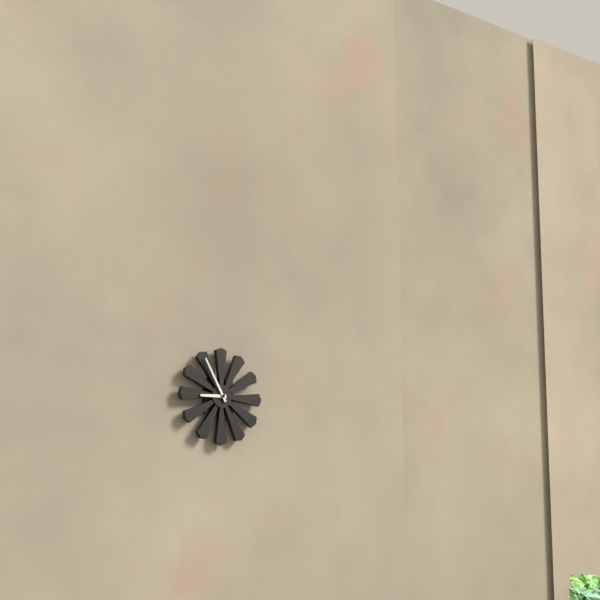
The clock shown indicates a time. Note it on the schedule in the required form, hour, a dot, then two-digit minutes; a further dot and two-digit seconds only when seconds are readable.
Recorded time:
8.55
